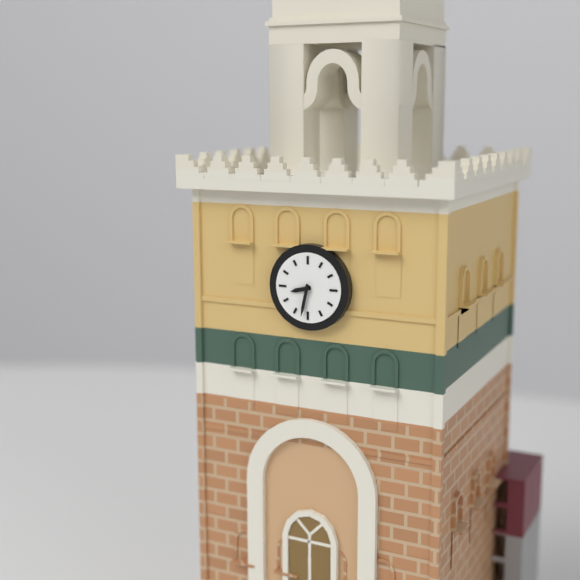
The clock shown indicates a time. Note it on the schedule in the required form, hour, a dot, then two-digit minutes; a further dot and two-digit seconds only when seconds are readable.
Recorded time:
8.32
